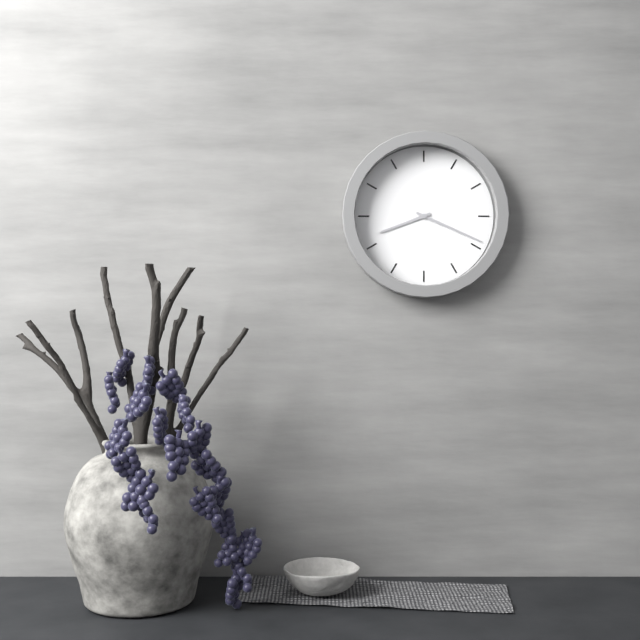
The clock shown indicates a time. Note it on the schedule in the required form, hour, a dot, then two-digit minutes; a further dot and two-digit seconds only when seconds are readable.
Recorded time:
8.19
